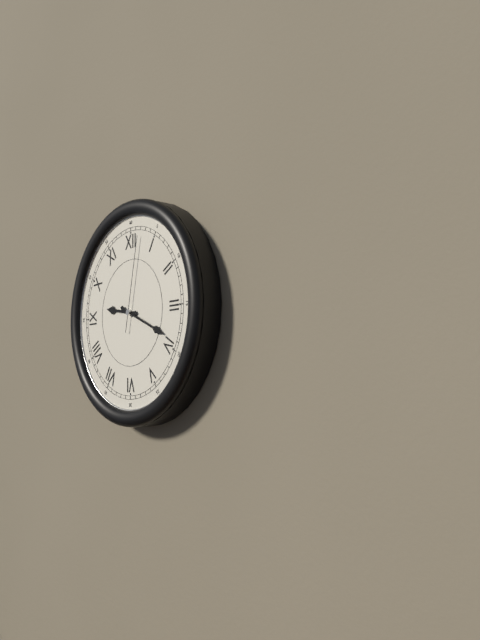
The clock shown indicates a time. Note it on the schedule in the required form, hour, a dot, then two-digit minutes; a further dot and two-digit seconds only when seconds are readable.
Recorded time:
9.19.02
